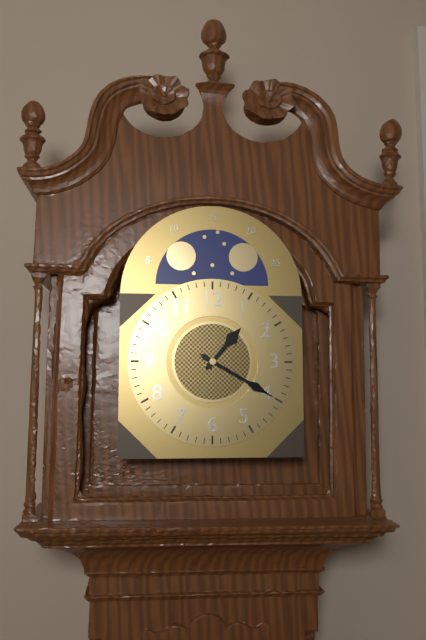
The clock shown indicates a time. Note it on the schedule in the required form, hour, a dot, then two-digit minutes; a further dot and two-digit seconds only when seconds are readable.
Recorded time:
1.20
